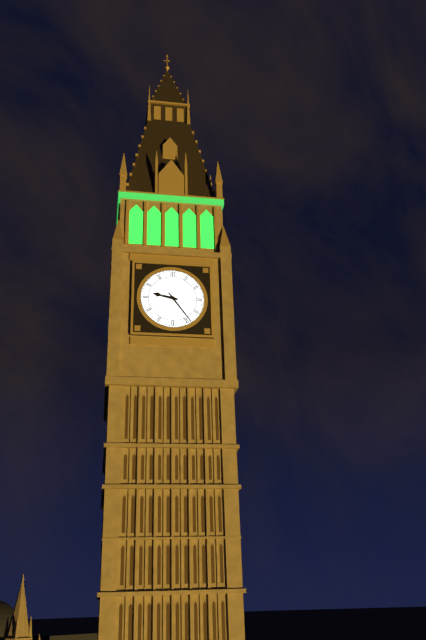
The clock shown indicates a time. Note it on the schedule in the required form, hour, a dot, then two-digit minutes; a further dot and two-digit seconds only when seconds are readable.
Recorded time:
9.24
